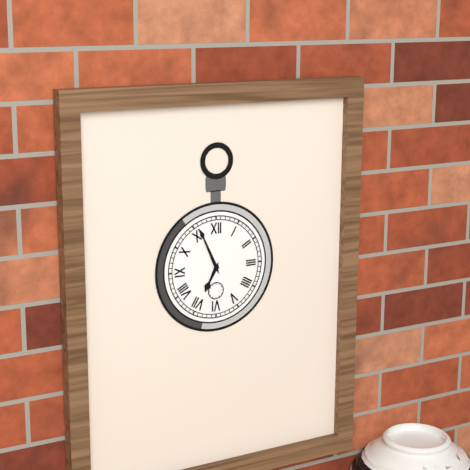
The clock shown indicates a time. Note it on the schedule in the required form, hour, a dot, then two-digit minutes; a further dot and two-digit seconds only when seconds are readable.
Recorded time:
6.56
